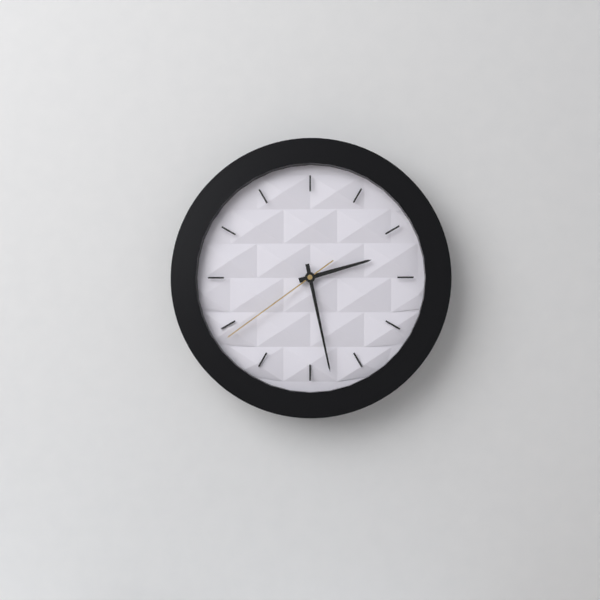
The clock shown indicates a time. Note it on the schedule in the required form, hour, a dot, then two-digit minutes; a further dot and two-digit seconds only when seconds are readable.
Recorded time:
2.28.39
